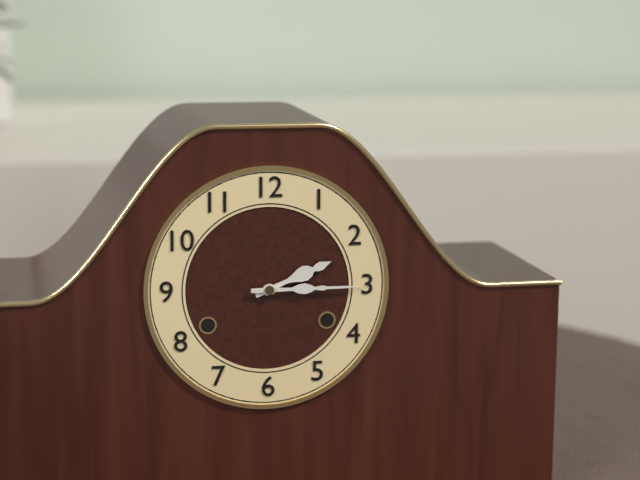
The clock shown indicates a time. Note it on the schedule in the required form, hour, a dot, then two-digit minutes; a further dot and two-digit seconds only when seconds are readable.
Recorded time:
2.15
